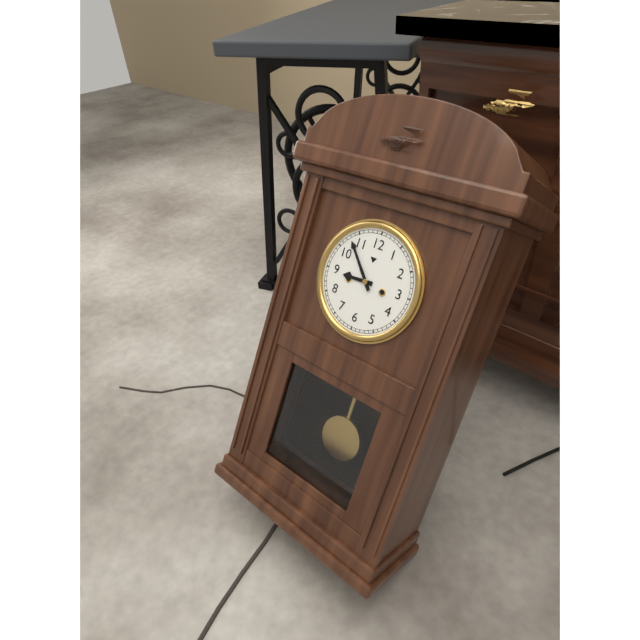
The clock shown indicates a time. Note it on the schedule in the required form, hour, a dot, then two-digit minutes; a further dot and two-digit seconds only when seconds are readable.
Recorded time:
8.53
